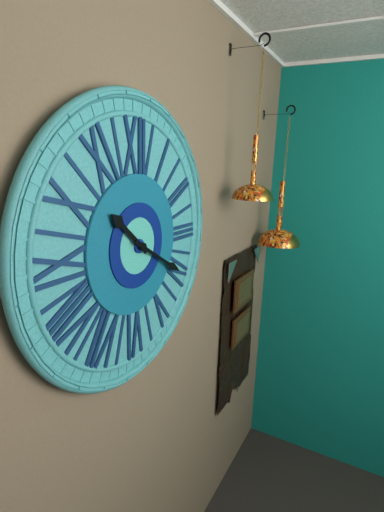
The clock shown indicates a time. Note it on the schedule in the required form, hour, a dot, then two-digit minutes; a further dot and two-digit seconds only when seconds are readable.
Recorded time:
10.20
